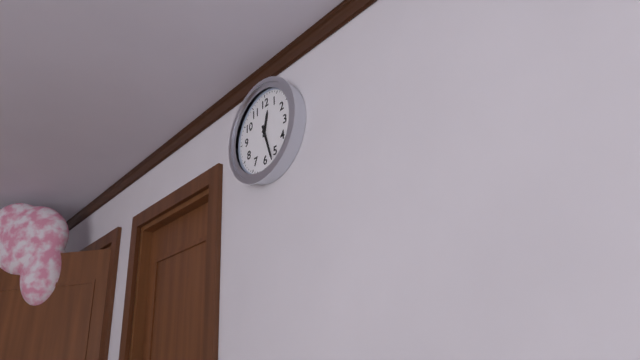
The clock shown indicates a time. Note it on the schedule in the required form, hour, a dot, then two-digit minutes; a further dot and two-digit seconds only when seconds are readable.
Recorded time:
12.27
